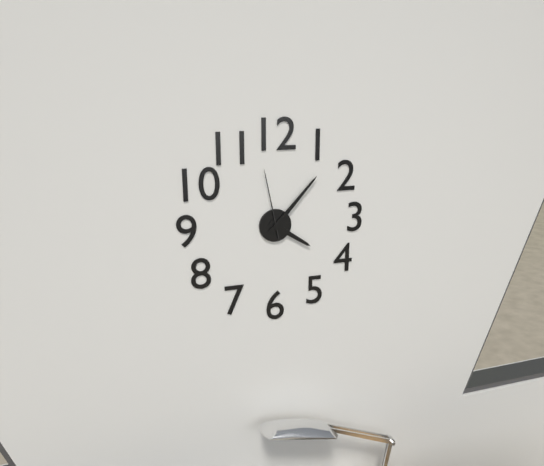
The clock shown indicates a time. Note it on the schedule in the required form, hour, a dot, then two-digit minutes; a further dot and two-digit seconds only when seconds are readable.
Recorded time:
4.07.58
